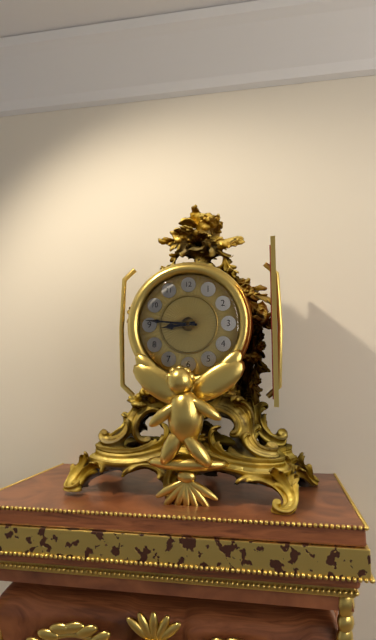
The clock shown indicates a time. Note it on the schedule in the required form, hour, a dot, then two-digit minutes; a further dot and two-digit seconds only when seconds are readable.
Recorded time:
8.46
